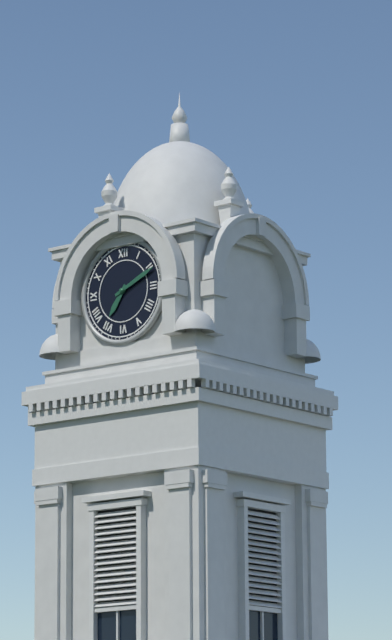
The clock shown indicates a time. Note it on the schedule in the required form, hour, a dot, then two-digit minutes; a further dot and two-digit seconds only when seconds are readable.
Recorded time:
7.11
